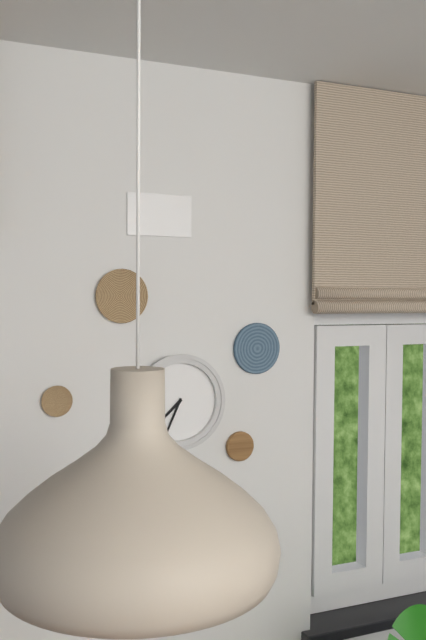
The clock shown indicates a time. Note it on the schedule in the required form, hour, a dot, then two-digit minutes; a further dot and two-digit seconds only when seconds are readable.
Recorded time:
7.34
